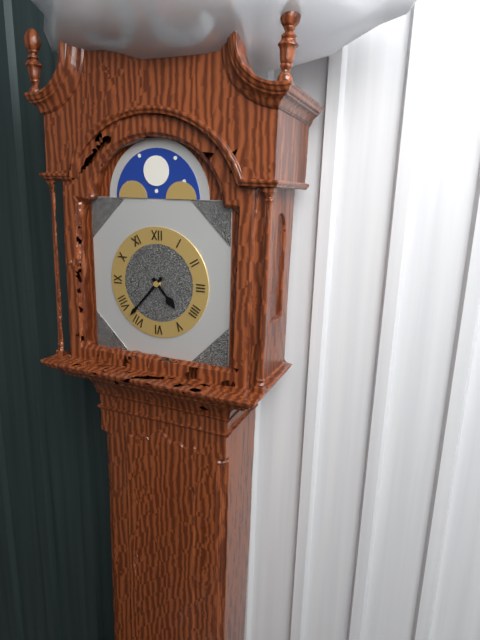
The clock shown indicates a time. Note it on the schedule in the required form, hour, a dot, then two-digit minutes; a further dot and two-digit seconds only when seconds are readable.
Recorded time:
4.37
